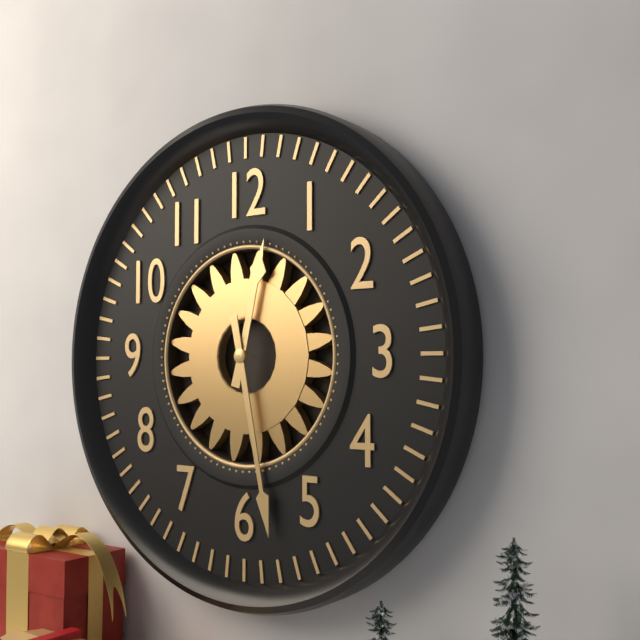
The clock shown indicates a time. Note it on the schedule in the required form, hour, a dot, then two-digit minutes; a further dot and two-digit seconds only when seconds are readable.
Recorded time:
12.28
